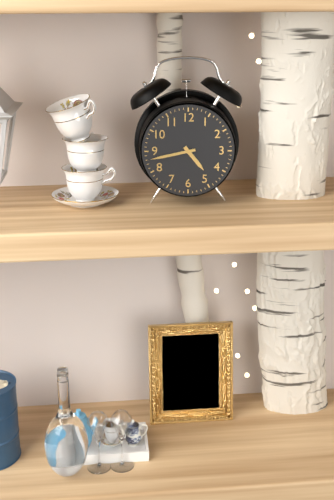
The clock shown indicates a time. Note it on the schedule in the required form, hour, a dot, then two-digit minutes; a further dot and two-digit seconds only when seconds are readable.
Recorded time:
4.43
